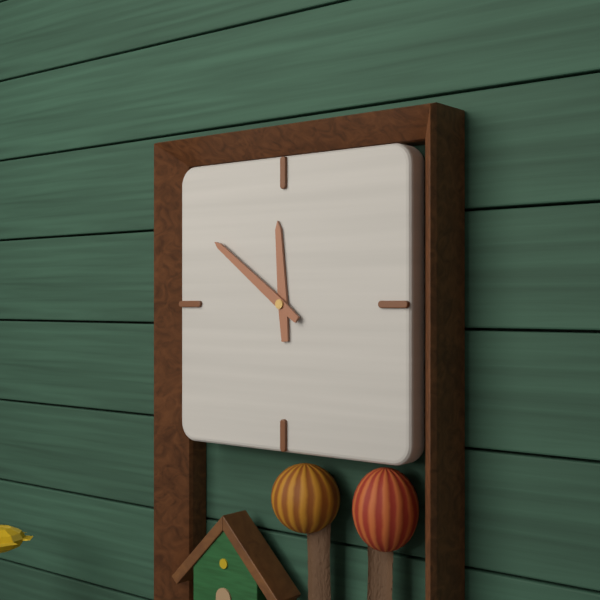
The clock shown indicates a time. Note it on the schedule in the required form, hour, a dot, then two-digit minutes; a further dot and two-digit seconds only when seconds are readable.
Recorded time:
11.51
